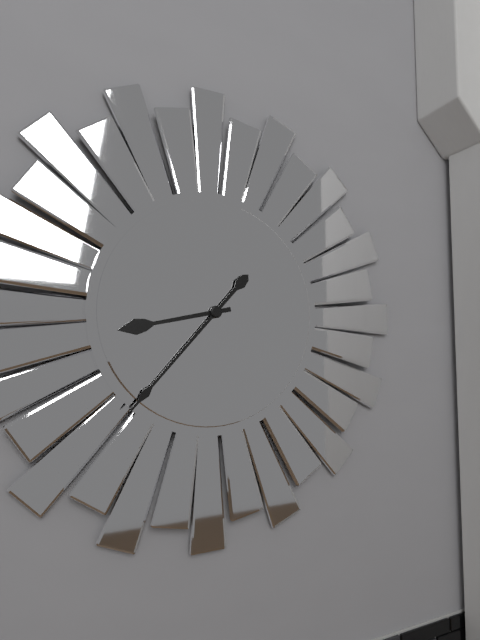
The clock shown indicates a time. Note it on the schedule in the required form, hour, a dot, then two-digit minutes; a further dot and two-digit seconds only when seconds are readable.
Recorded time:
8.37
